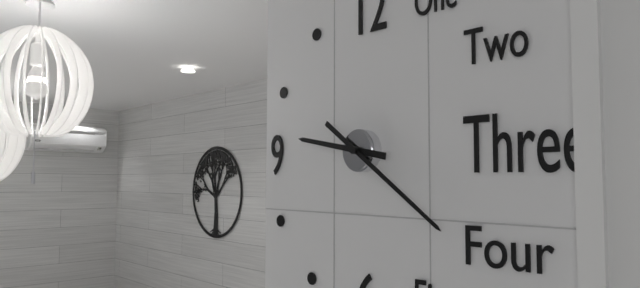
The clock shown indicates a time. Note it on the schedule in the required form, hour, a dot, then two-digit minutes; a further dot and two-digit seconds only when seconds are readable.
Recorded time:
9.21
